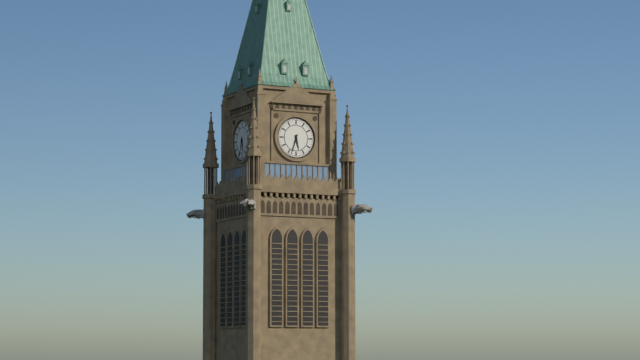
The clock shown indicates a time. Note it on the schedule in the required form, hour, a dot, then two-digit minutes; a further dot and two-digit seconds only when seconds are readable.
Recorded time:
5.33
